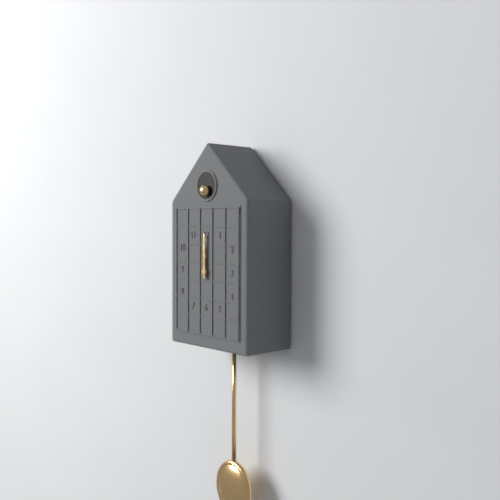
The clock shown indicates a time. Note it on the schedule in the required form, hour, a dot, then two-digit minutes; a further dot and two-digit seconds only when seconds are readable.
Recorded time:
12.00
